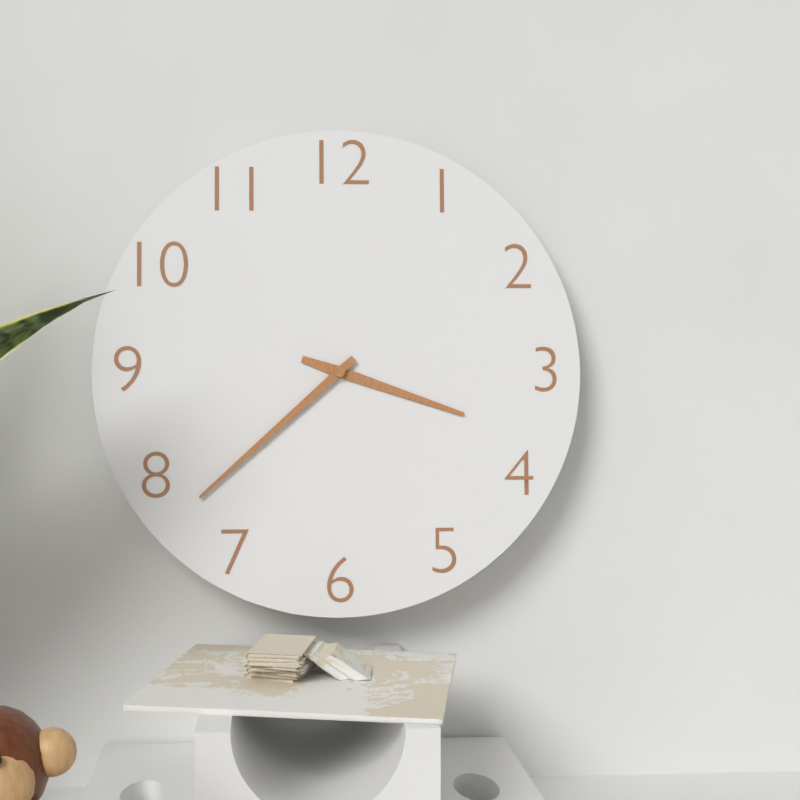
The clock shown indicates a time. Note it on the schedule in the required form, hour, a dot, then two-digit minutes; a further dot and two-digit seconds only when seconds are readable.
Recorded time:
3.38
